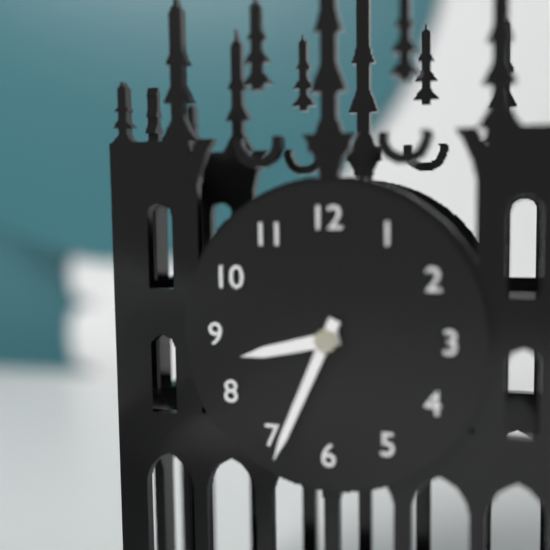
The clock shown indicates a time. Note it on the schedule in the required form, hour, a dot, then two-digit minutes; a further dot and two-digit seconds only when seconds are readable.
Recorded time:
8.34
